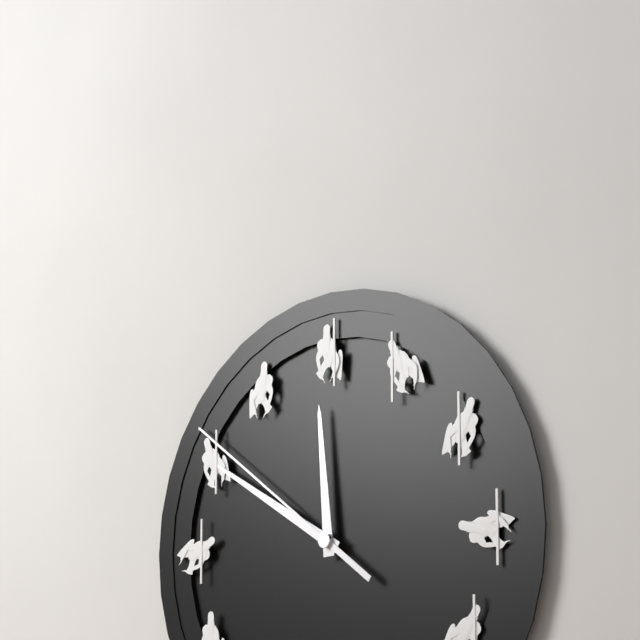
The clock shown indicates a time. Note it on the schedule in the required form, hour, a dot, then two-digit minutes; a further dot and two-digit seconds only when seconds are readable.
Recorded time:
11.50.51
